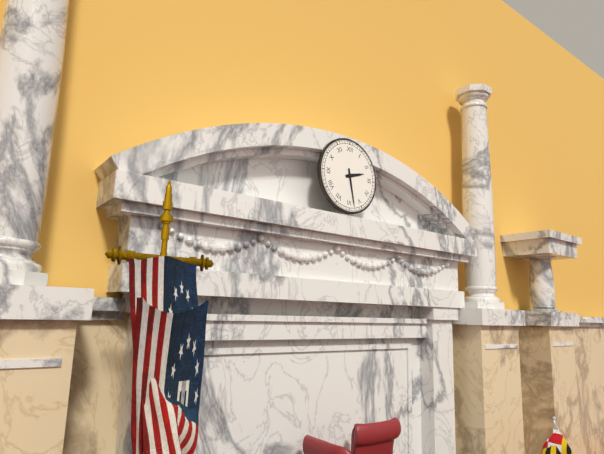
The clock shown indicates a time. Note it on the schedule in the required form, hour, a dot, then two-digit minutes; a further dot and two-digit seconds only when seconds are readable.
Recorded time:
2.28
